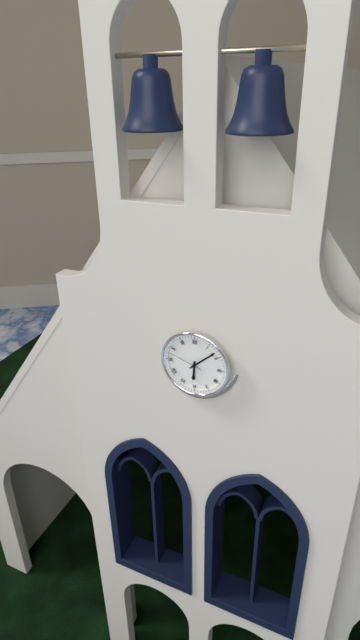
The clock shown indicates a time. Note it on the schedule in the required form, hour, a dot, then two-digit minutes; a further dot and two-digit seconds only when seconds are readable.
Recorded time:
6.08
